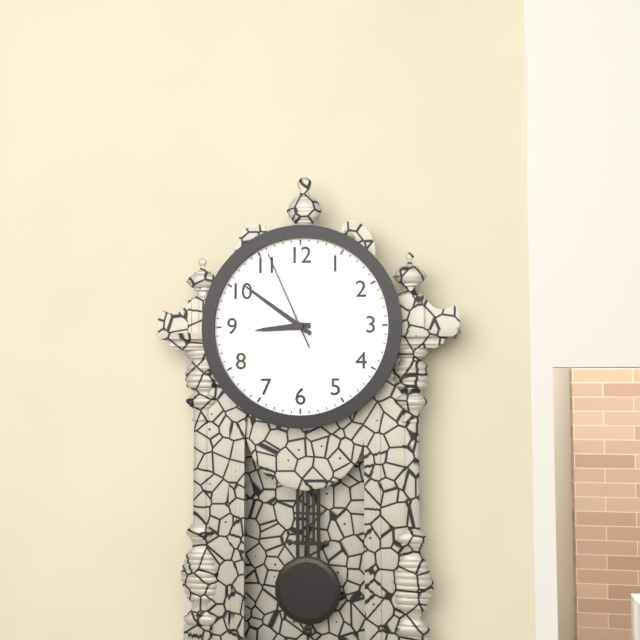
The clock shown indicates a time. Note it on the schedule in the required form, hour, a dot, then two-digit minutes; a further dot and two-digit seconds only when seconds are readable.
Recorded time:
8.51.56
